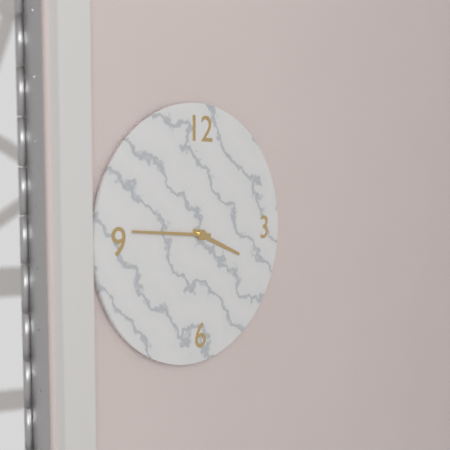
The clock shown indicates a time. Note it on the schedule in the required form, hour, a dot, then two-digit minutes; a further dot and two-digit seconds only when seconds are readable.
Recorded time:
3.46
